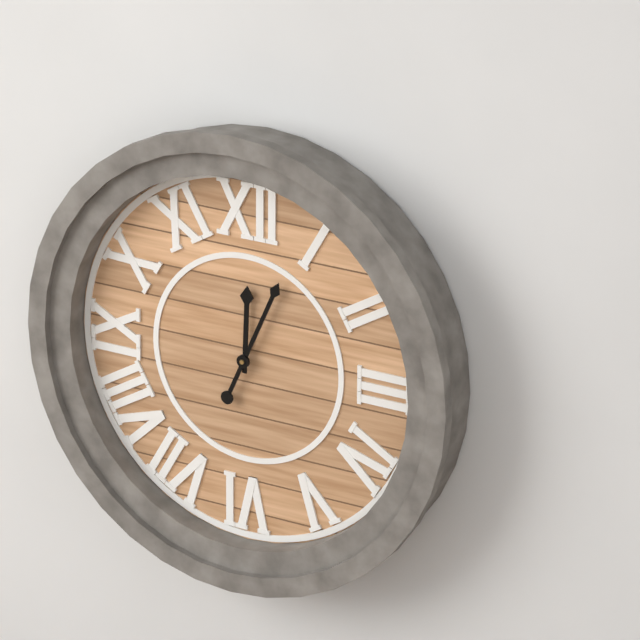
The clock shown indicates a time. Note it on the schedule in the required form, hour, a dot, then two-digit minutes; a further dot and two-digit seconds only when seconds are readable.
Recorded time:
12.04
